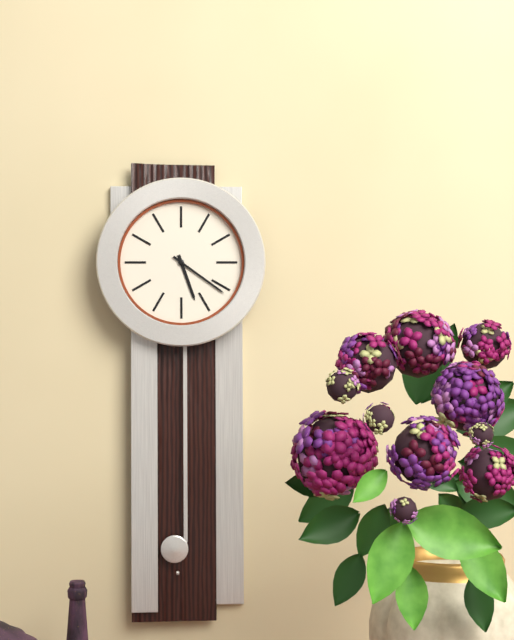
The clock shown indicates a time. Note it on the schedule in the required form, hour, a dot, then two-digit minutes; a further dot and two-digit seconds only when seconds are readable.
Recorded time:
5.21
